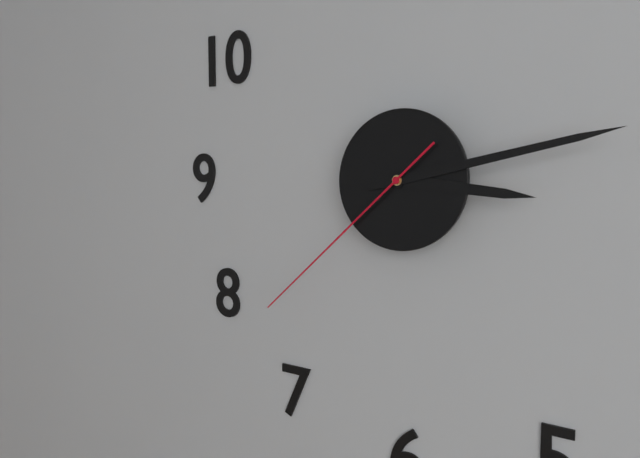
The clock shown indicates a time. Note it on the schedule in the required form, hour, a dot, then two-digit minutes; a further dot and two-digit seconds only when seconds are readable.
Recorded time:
3.13.38
